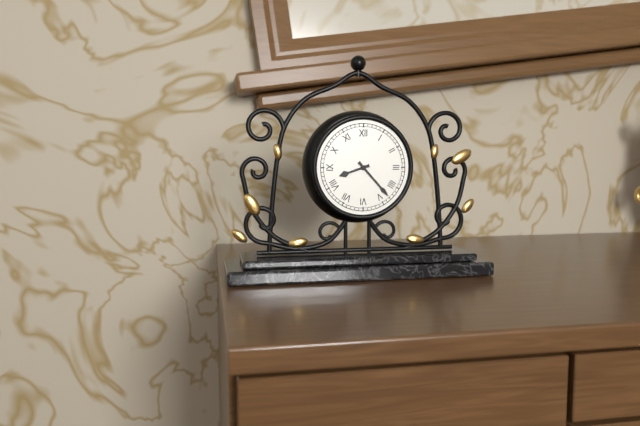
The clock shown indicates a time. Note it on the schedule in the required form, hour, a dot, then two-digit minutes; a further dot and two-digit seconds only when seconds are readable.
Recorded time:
8.23
